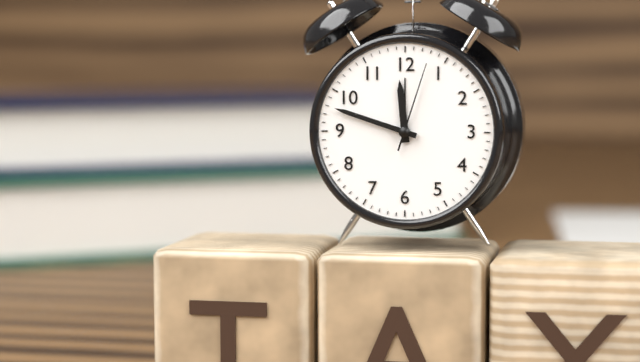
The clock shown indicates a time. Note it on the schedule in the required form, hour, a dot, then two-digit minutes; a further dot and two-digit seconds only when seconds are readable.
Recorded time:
11.48.03
